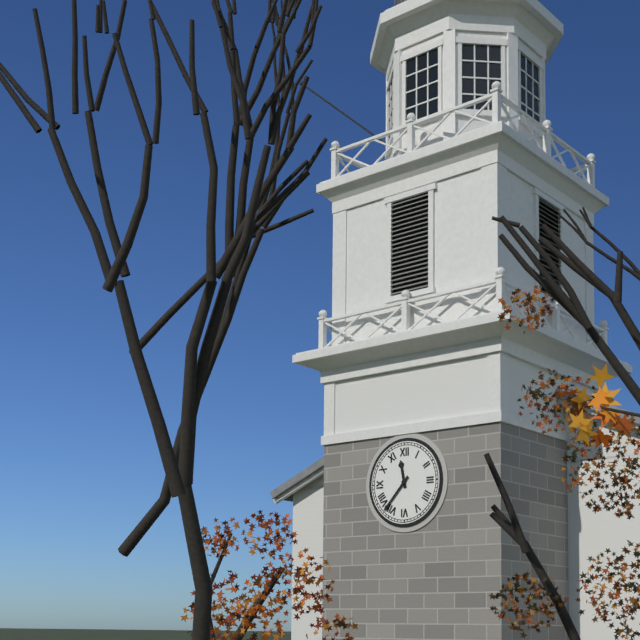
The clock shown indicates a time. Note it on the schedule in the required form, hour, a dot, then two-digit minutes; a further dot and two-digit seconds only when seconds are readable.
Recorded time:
11.37
